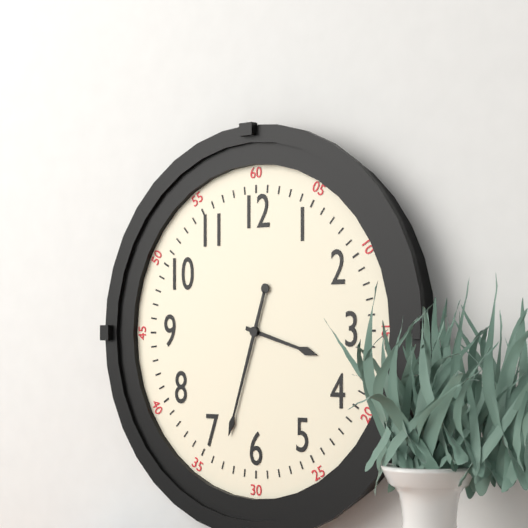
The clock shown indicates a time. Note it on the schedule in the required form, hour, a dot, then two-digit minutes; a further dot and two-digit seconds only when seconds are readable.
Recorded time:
3.33
